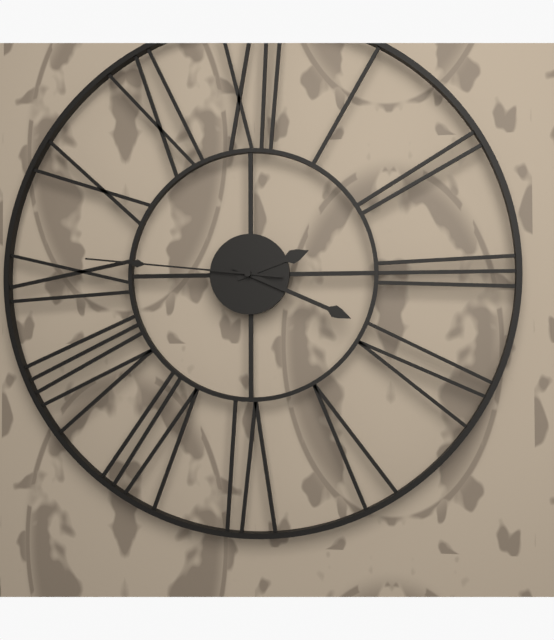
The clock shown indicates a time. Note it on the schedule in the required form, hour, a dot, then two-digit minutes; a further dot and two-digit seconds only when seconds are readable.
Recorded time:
2.19.46
